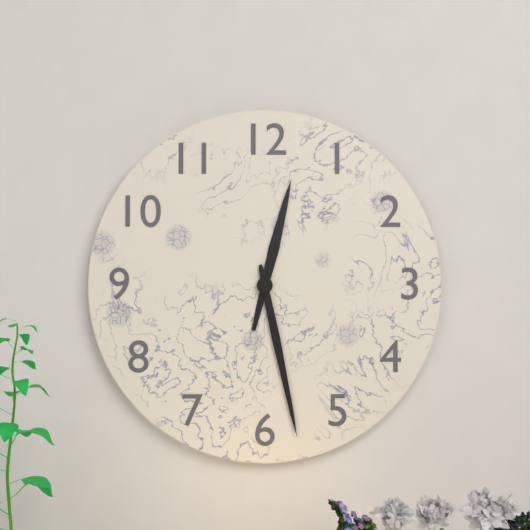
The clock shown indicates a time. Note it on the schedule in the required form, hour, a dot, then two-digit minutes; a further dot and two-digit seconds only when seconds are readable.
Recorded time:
12.28
